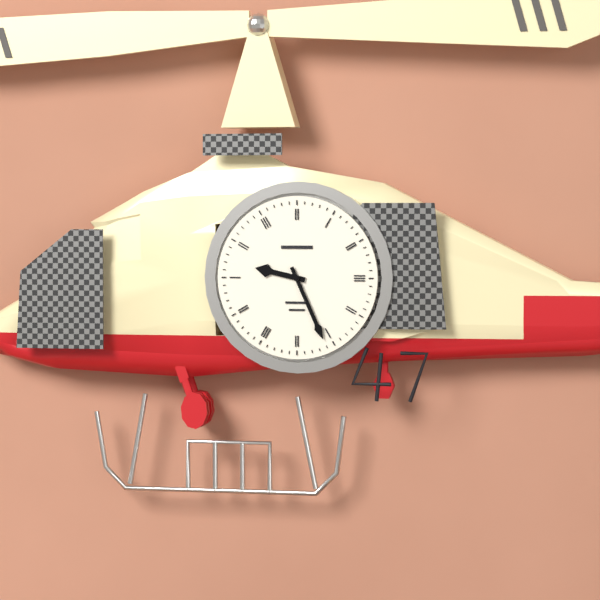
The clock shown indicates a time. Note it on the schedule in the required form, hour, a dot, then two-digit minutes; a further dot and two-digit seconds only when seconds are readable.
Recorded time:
9.26
